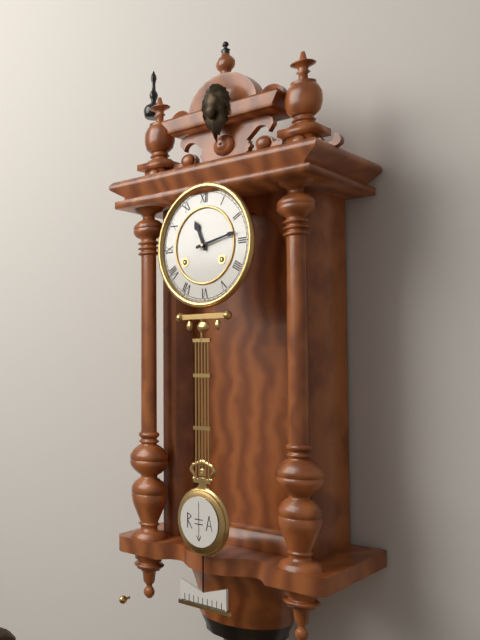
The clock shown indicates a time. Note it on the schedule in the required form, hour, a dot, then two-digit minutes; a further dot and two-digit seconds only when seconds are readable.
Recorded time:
11.13
